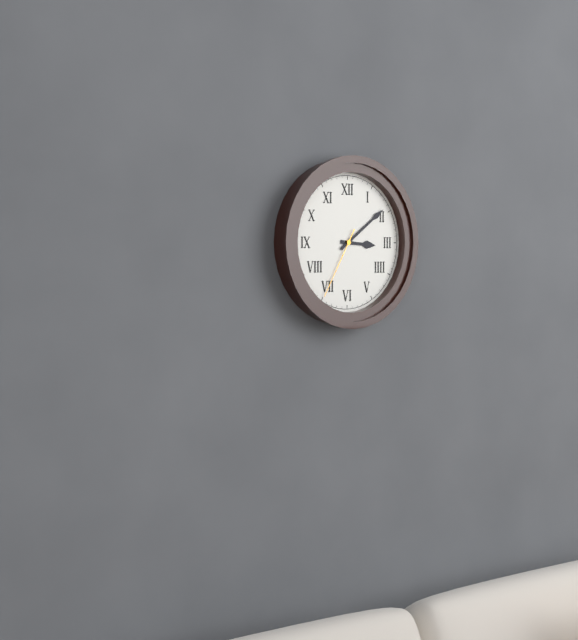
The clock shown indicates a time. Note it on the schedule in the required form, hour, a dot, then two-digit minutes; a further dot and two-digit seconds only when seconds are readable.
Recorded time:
3.09.35
